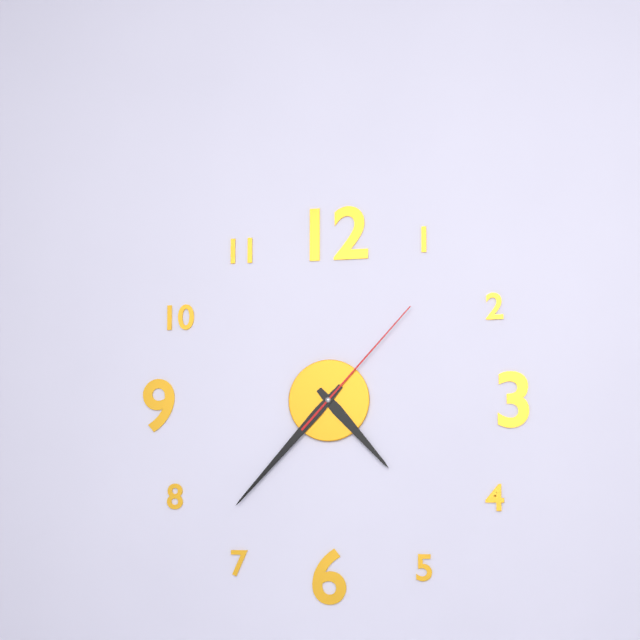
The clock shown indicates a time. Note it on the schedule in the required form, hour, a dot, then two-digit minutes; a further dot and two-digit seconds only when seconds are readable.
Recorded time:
4.37.07
